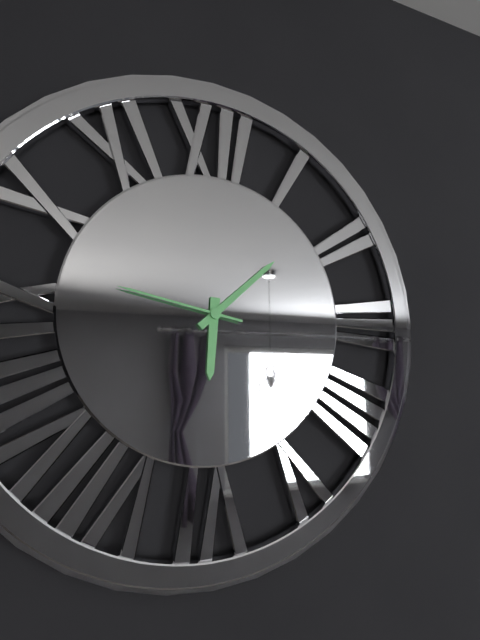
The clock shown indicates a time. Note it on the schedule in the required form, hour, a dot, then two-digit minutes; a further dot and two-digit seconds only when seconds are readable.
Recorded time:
6.08.47
